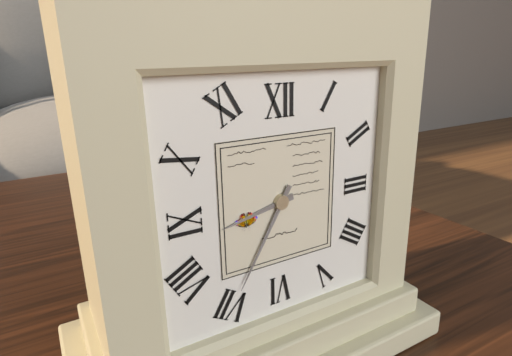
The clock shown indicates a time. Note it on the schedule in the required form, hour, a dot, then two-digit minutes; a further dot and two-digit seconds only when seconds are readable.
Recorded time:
8.35
